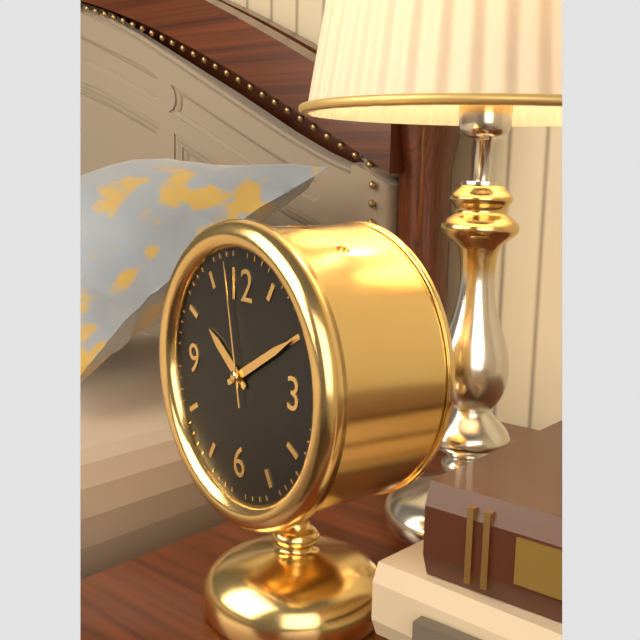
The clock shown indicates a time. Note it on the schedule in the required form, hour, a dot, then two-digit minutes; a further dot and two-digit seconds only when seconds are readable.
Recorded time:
10.10.58
